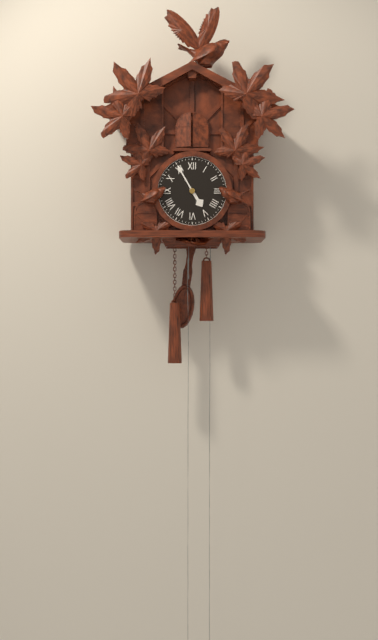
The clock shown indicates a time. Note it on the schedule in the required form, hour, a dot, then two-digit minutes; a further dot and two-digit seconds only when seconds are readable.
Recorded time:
4.55
